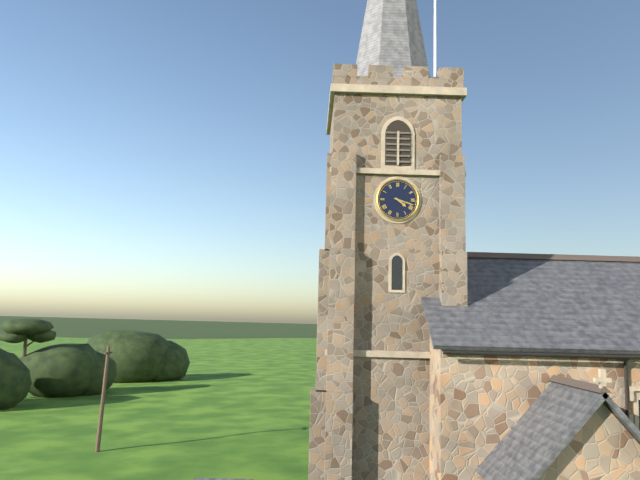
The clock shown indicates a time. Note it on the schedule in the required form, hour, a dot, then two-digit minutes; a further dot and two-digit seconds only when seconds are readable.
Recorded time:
4.18
